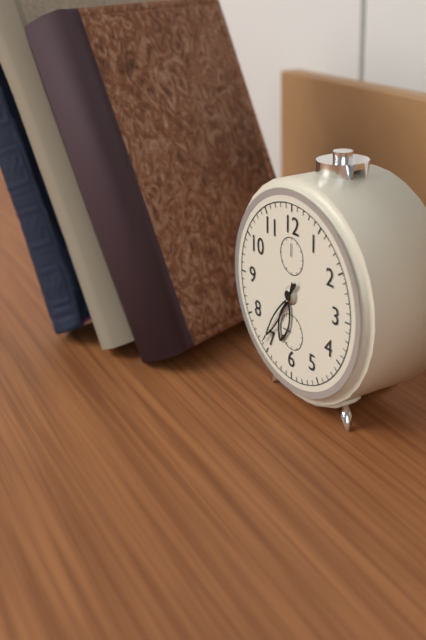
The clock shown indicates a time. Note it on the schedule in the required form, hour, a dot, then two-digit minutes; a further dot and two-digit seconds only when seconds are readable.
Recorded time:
6.36
